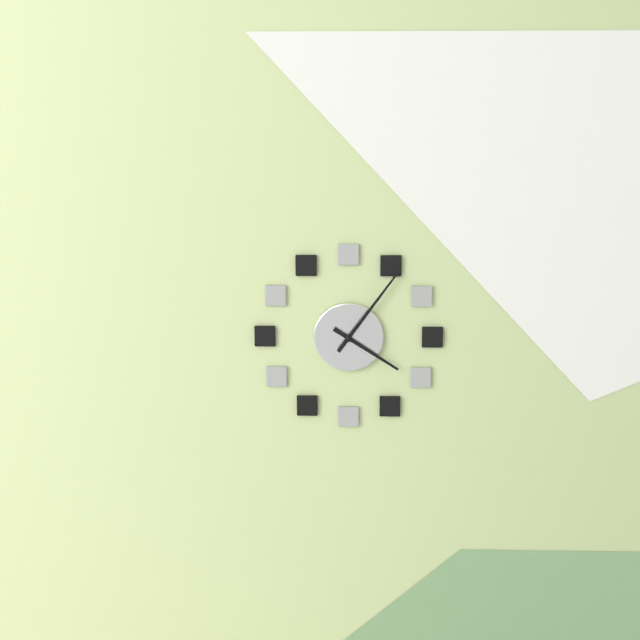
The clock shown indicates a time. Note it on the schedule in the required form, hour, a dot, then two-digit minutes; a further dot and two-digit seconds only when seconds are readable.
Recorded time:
4.06
